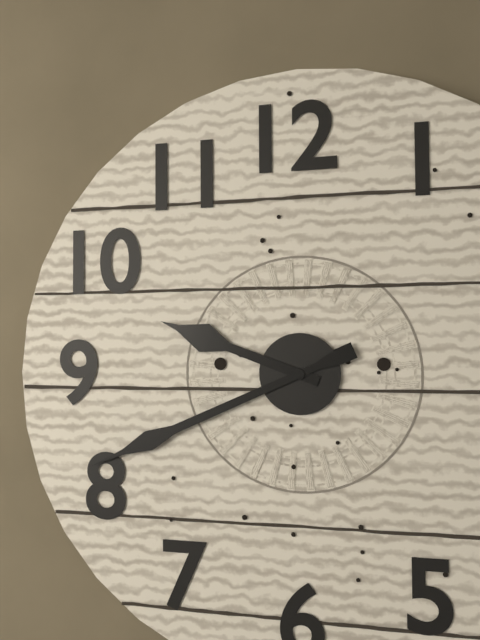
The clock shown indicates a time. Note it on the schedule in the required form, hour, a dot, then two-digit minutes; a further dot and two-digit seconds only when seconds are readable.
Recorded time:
9.41
